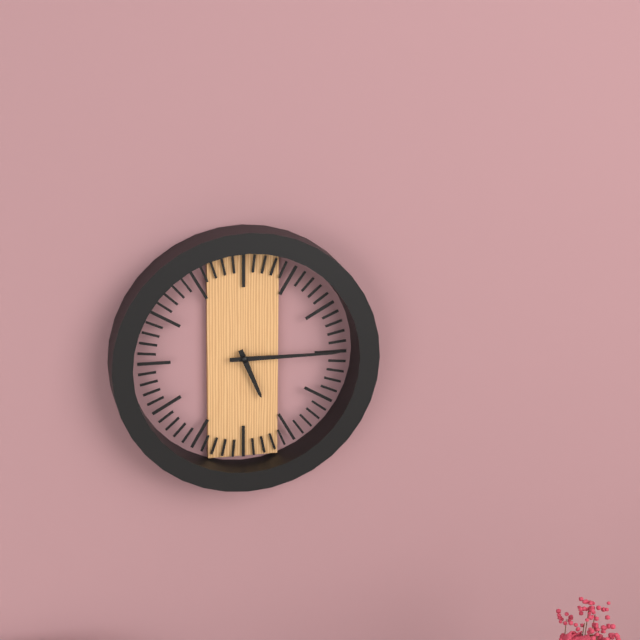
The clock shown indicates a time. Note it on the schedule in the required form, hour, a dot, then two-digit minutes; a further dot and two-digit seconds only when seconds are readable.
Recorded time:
5.15
